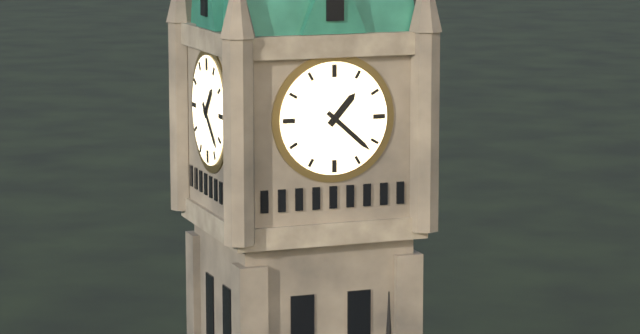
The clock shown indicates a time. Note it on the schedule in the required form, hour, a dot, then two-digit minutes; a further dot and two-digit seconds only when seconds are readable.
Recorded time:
1.22
